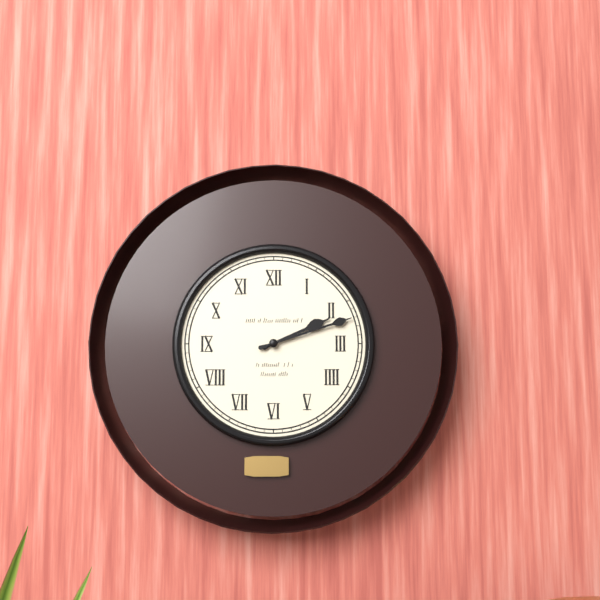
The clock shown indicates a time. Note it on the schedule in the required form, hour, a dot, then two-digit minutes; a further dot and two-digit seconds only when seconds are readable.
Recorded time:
2.12
